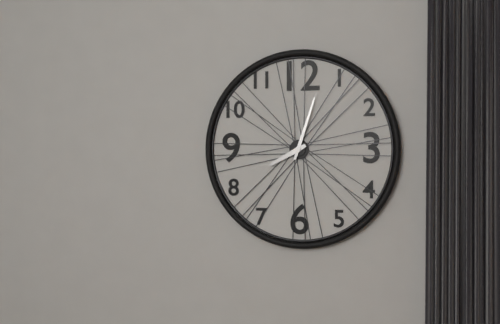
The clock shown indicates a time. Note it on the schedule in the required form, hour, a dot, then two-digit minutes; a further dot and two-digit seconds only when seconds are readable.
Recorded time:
8.03
